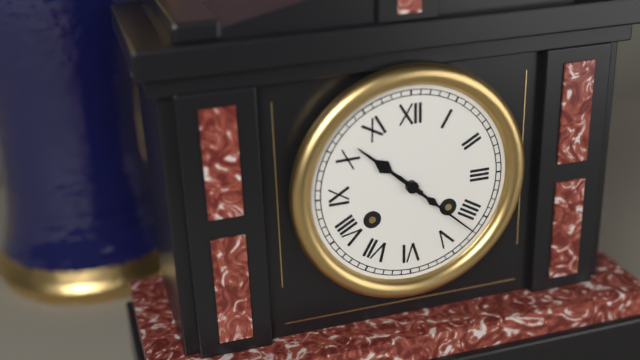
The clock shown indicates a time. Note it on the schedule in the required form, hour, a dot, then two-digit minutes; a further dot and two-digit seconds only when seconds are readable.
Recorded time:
10.22
